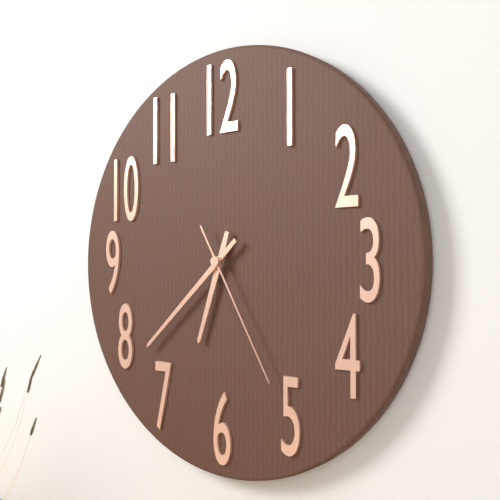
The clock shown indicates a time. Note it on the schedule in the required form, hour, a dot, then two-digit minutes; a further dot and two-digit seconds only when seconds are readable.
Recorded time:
6.38.25
